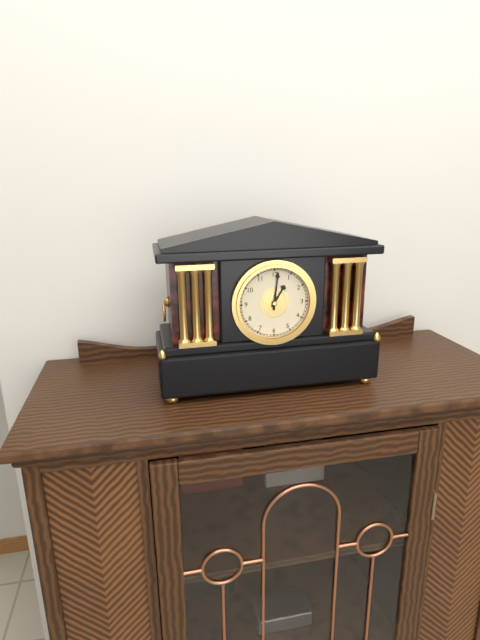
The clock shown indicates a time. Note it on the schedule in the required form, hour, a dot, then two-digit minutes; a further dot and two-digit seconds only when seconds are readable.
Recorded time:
1.01
